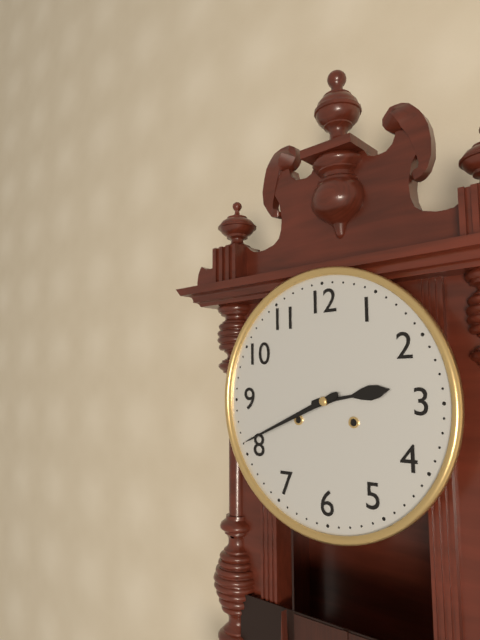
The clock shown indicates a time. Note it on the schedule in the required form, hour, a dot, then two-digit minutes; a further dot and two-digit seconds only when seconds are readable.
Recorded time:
2.41
